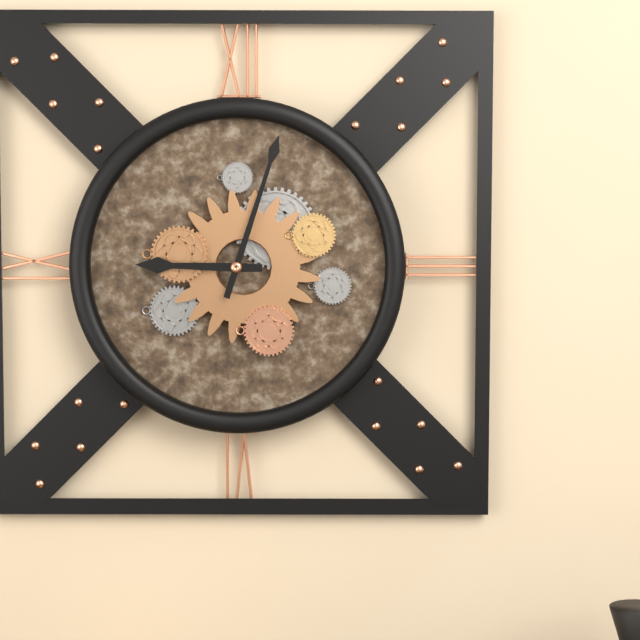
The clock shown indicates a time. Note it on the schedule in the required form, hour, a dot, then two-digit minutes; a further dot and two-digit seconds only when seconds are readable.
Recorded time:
9.03
